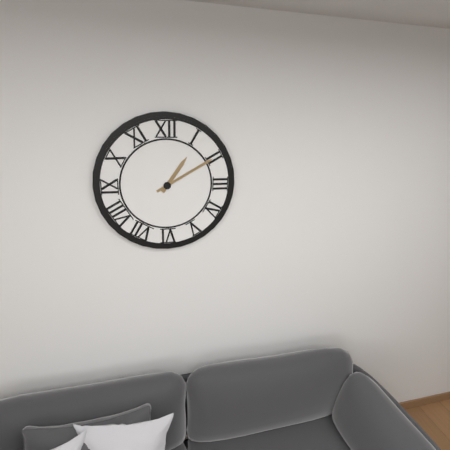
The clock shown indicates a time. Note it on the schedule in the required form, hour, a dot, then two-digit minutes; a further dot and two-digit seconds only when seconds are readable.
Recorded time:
1.10
